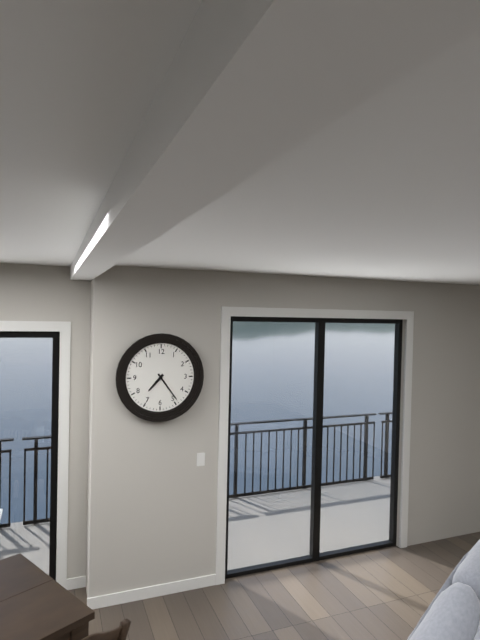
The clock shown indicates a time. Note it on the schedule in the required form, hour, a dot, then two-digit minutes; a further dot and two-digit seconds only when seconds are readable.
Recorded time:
7.24
